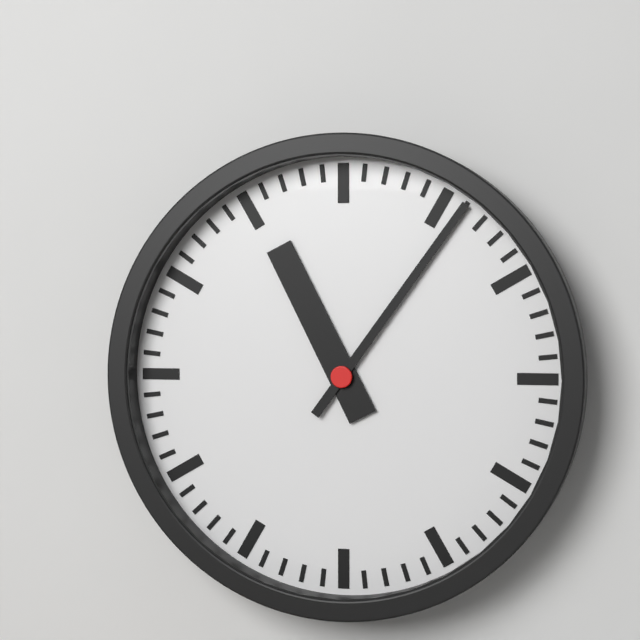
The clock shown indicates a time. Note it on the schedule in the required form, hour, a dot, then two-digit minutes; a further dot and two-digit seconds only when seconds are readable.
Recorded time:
11.06
